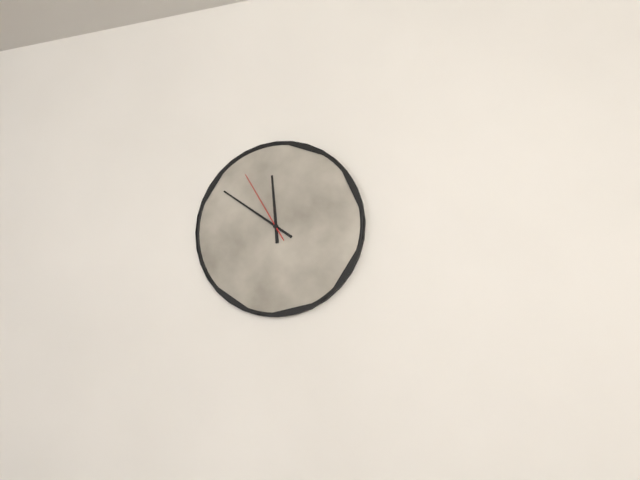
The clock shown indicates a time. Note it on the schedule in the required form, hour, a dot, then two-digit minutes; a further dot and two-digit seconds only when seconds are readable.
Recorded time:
11.51.55
